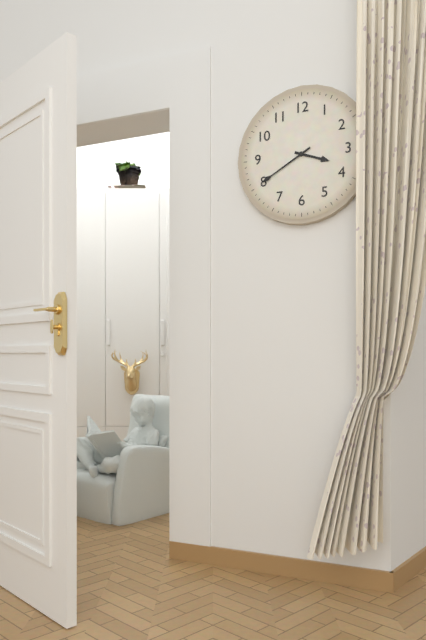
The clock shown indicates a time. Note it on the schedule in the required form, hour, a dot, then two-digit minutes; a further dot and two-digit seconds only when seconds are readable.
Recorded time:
3.40
